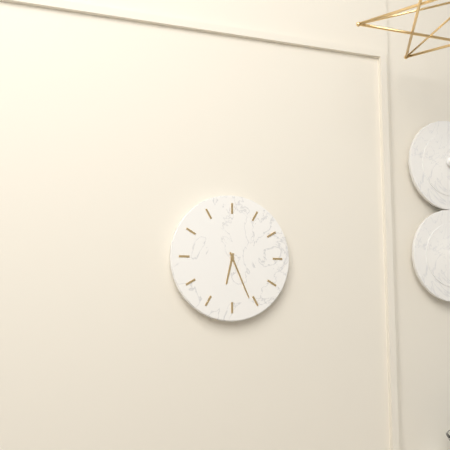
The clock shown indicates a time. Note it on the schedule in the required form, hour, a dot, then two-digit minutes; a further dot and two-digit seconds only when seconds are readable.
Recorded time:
6.26
